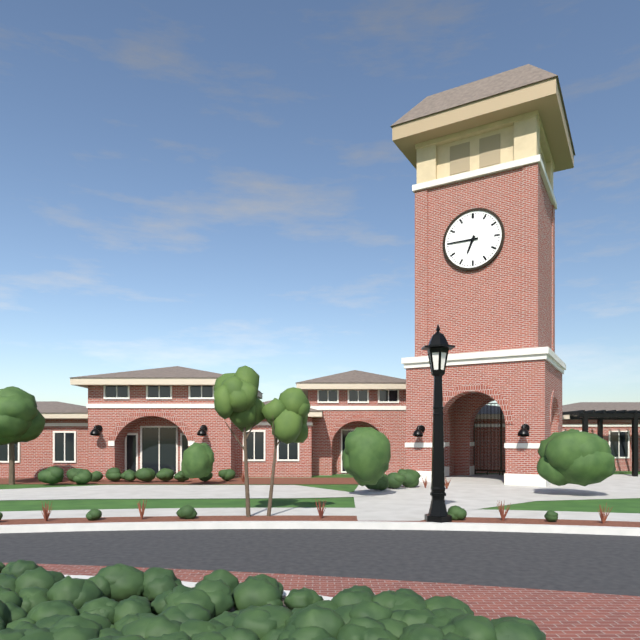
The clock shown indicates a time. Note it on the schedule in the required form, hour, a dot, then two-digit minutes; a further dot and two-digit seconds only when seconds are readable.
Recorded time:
6.45
